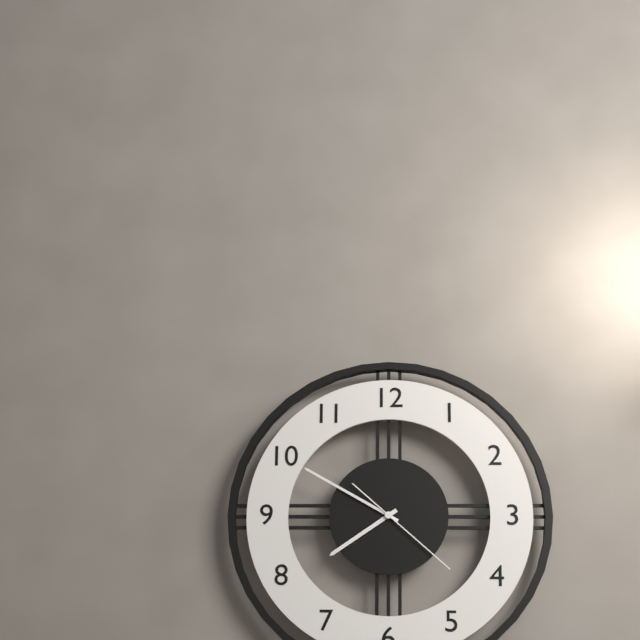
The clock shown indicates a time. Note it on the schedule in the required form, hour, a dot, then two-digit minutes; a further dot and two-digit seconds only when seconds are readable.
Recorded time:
7.50.22
